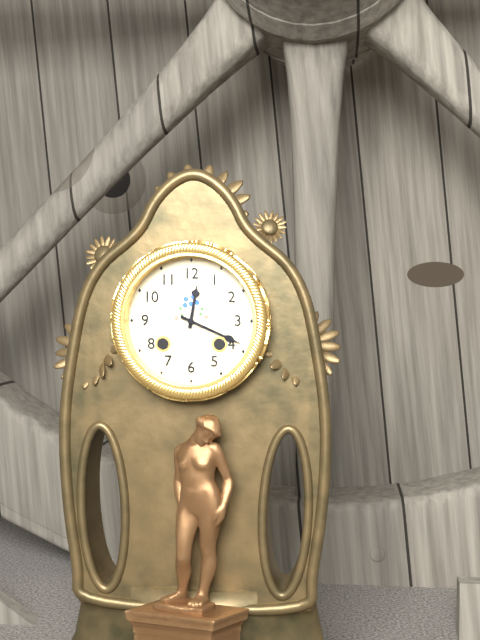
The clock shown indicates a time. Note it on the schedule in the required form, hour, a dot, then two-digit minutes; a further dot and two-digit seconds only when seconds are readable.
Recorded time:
12.19
